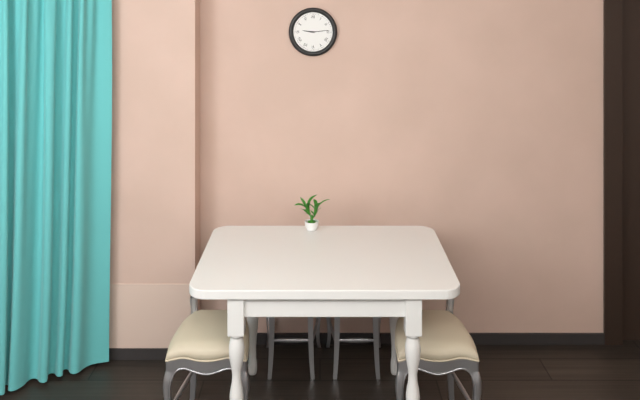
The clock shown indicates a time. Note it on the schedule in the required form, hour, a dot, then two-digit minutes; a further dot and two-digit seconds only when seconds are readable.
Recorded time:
9.14
